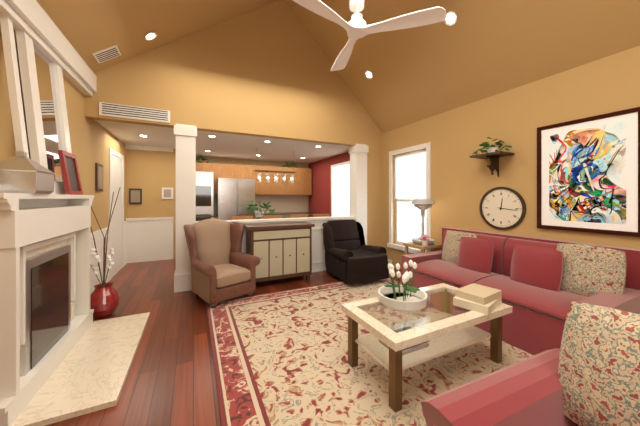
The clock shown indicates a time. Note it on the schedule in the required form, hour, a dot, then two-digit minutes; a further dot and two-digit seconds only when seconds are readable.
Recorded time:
12.16
